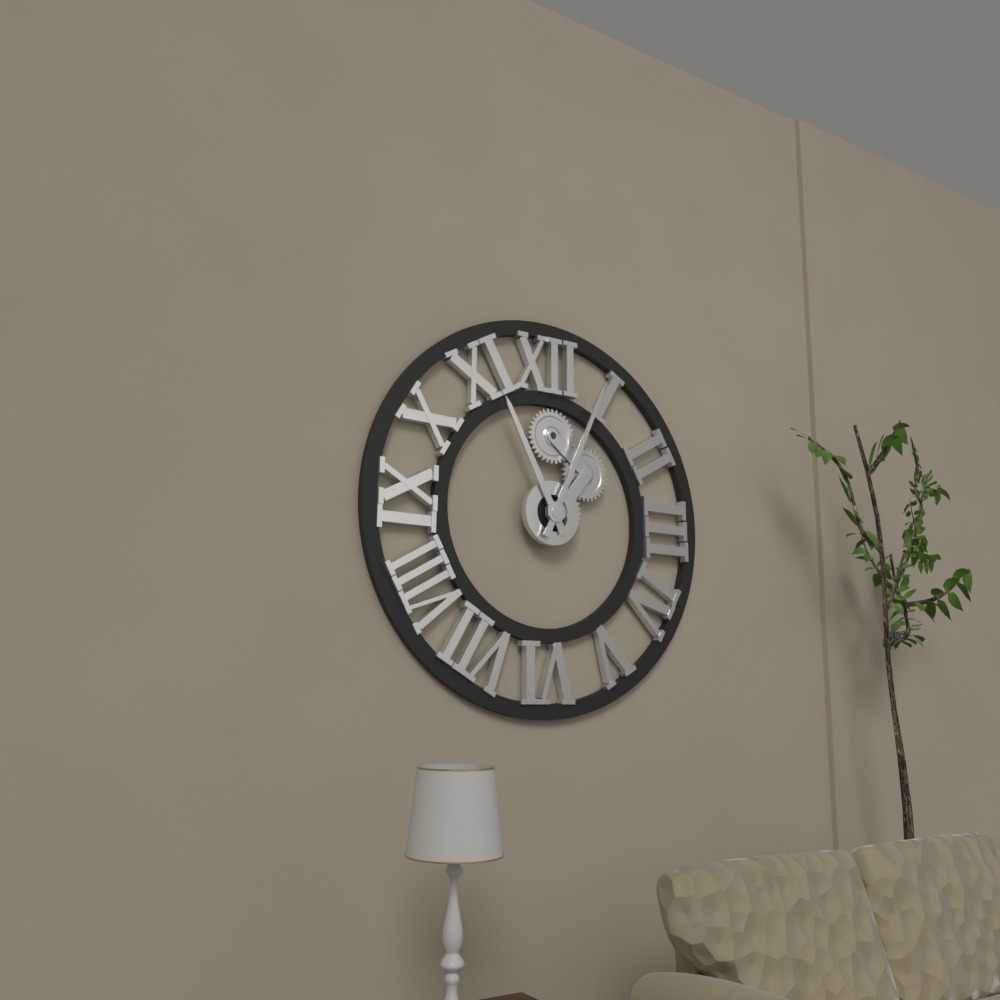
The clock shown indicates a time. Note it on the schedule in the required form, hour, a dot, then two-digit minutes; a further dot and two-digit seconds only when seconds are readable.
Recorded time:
11.04
